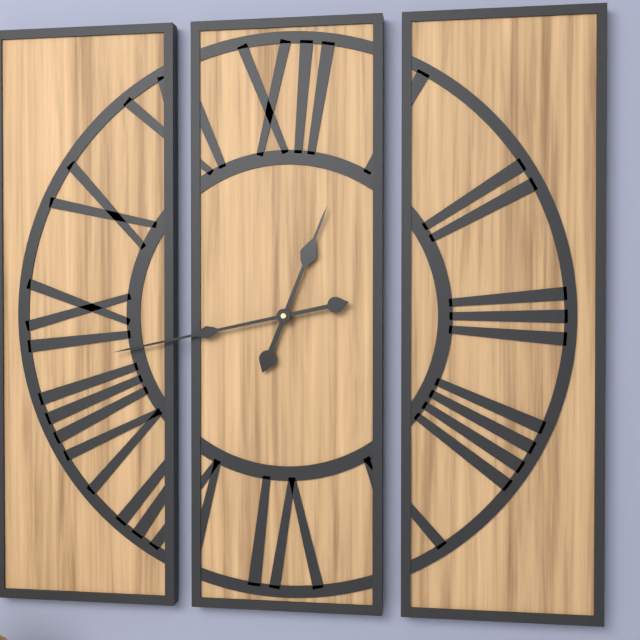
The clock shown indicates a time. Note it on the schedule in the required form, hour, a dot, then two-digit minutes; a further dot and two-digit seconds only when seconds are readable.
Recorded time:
12.43
